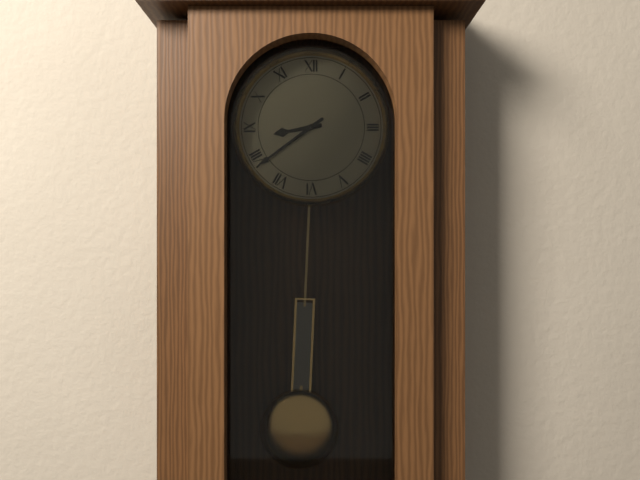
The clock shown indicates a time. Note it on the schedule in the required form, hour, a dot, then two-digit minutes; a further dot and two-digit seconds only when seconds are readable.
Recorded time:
8.39
